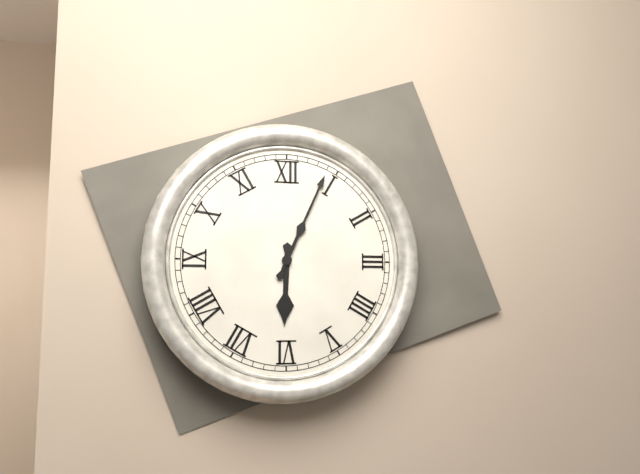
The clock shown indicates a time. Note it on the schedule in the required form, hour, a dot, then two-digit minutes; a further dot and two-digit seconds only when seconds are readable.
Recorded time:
6.04
